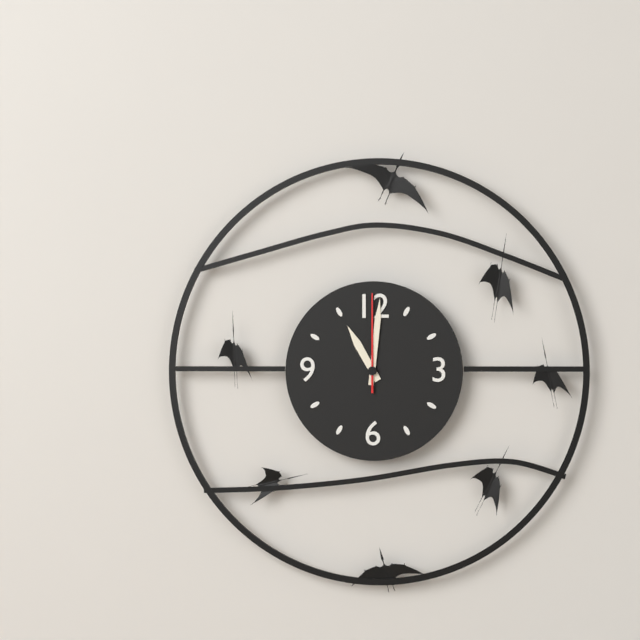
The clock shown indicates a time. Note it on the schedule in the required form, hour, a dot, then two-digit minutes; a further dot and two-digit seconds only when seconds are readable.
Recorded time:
11.01.00
